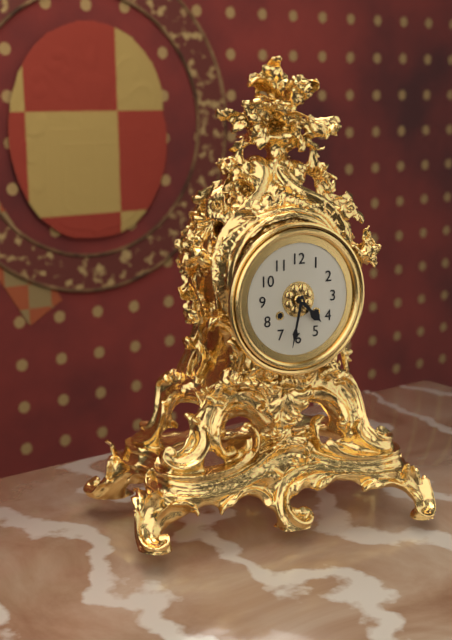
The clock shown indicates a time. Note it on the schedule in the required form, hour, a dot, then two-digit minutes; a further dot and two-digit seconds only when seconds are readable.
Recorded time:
4.32
